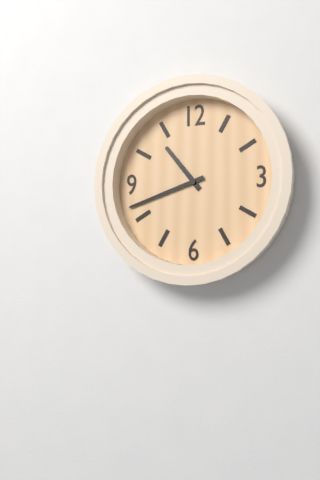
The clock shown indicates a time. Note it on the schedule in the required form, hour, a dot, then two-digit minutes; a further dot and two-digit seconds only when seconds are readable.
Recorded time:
10.42
